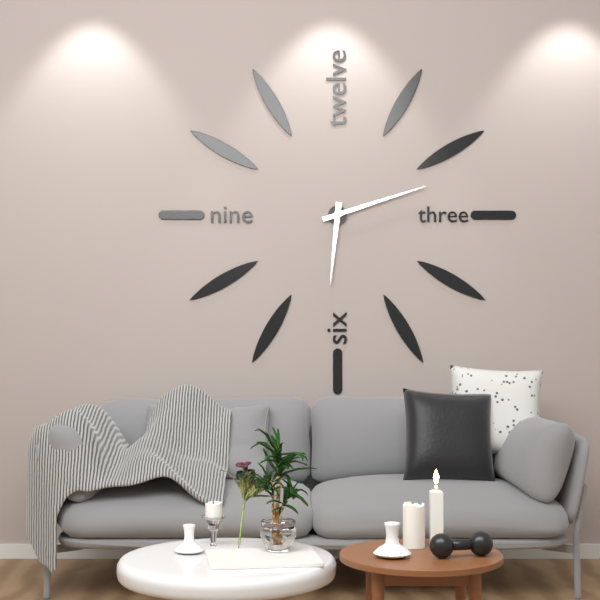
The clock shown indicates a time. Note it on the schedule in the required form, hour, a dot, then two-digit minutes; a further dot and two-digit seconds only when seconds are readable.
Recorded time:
6.12
